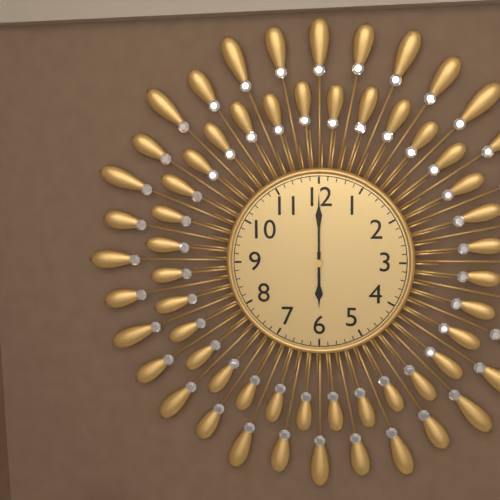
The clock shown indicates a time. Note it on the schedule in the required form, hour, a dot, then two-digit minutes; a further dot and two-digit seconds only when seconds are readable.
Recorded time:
6.00
